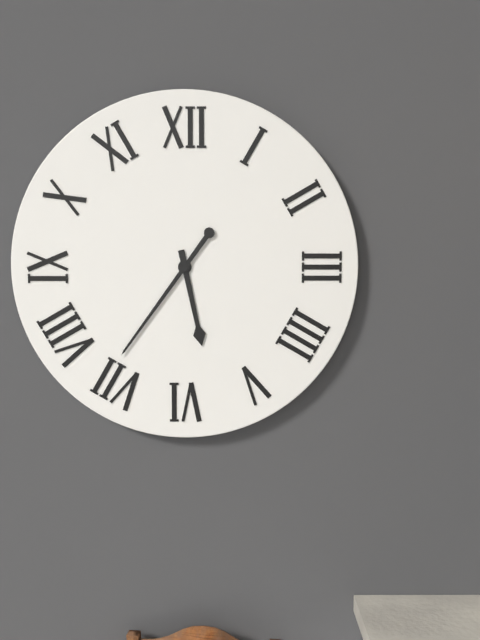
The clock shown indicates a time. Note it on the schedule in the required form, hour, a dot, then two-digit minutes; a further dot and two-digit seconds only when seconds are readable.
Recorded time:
5.36
